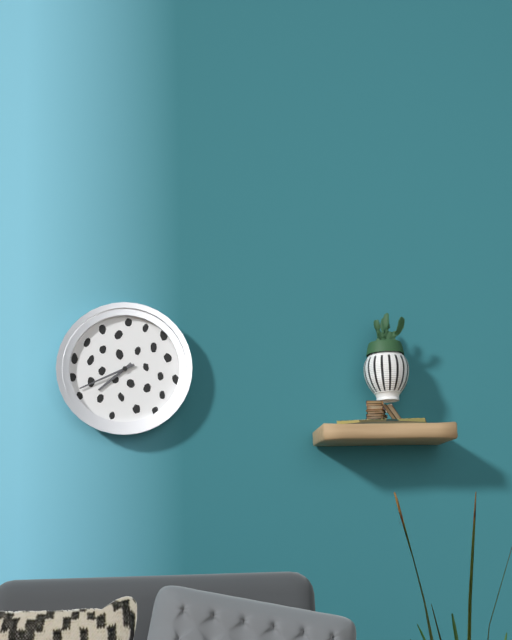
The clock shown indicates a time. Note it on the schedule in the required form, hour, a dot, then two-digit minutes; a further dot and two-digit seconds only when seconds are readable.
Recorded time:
7.41
